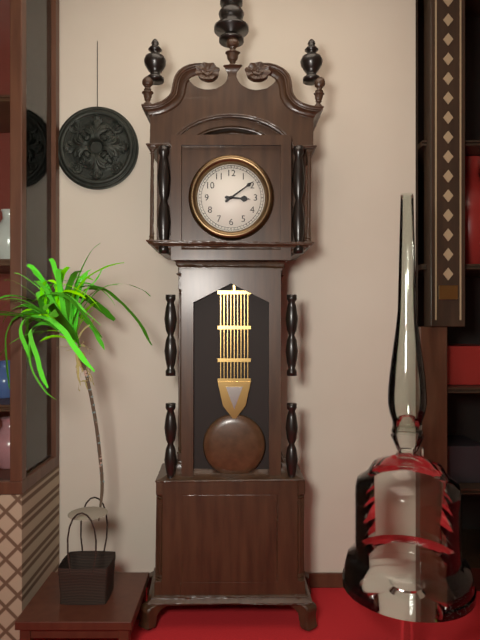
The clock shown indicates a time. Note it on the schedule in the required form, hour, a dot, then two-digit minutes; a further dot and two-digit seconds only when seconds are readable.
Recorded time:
3.09
